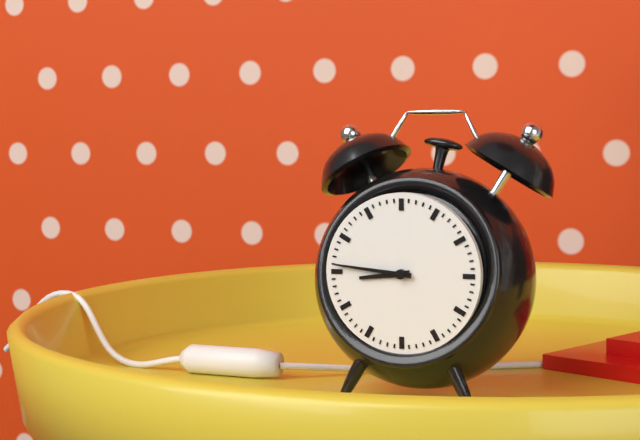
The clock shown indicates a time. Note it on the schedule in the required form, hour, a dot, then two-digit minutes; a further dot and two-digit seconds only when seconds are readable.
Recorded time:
8.46
